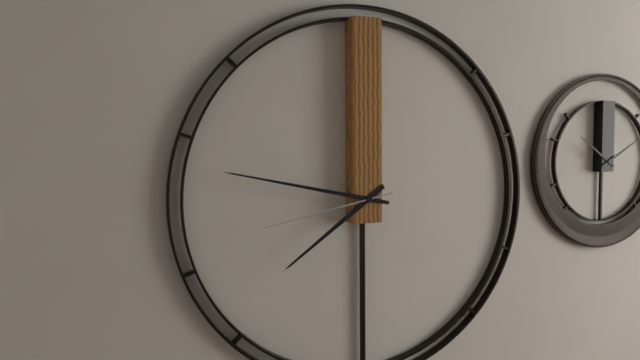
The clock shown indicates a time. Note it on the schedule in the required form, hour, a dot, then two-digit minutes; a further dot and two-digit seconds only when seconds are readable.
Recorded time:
7.47.43
